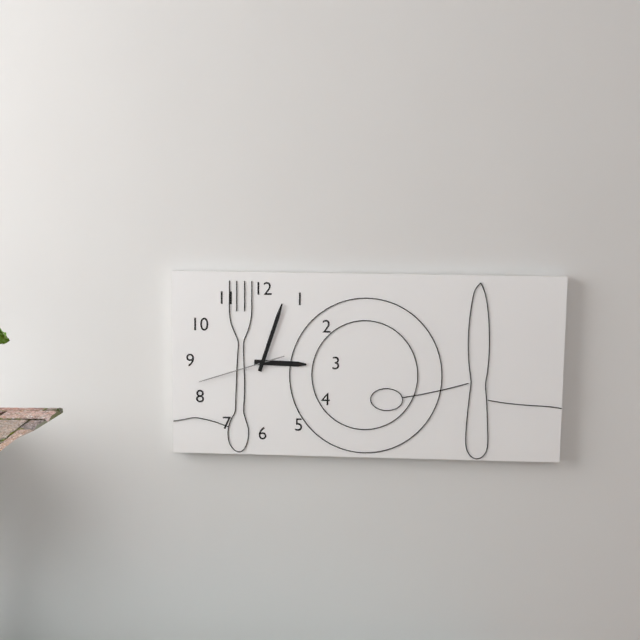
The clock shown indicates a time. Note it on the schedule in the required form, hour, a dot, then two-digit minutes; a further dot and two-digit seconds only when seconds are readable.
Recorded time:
3.03.42
